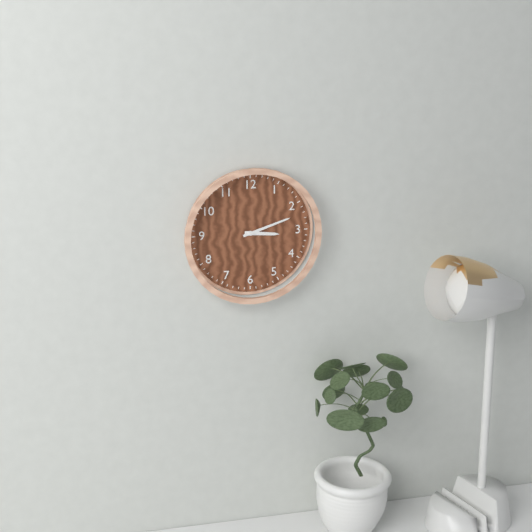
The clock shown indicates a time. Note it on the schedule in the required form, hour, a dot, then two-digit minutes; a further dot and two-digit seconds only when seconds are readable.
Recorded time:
3.12
